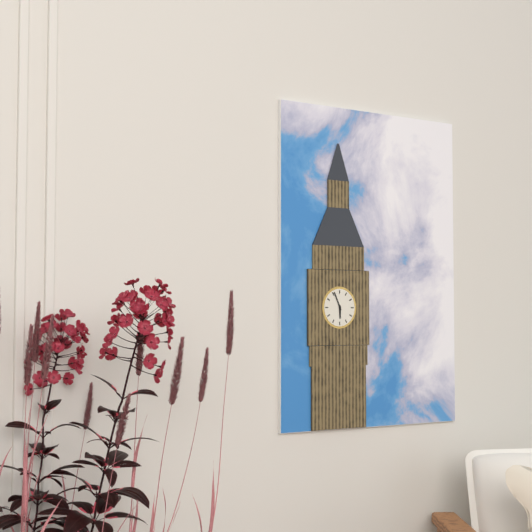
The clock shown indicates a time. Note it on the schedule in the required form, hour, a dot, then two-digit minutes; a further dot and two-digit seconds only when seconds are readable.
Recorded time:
5.56
